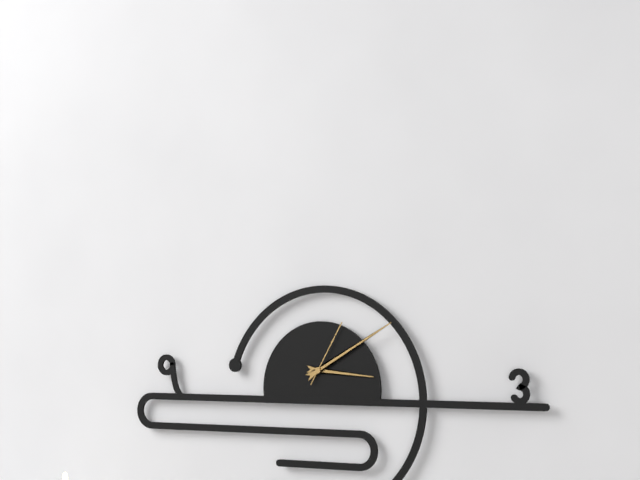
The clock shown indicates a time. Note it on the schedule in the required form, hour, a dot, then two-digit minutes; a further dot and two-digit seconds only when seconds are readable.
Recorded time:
3.10.05
